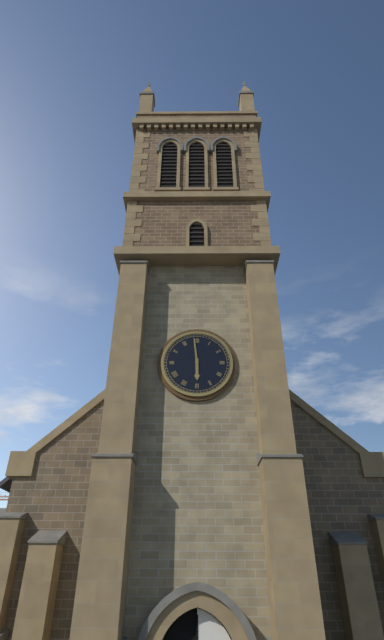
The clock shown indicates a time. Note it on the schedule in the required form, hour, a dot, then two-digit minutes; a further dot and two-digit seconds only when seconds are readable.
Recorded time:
5.59
